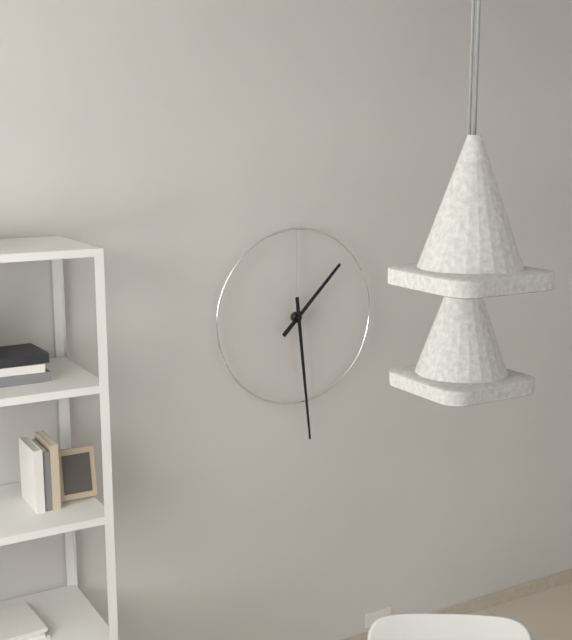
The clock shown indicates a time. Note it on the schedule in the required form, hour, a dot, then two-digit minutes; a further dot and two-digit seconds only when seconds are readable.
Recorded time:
1.29
